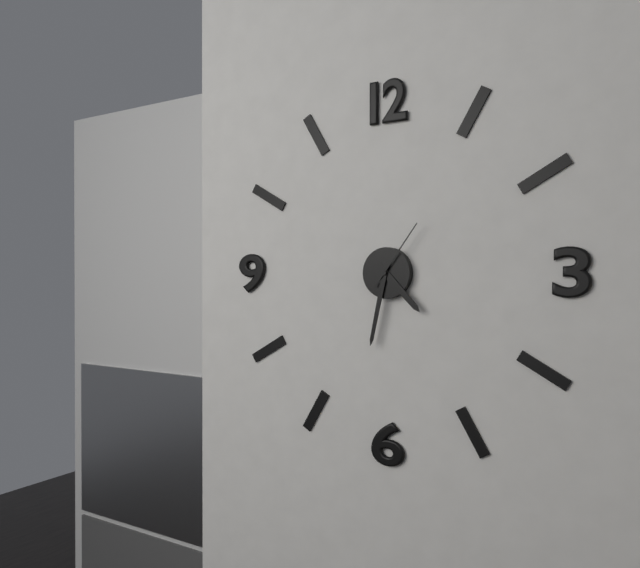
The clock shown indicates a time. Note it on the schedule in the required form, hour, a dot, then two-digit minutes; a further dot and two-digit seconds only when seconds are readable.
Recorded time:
4.32.06
